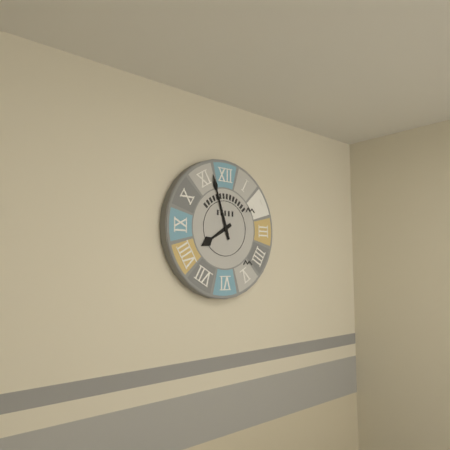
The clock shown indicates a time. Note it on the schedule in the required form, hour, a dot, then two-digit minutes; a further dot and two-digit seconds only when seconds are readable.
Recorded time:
7.57
